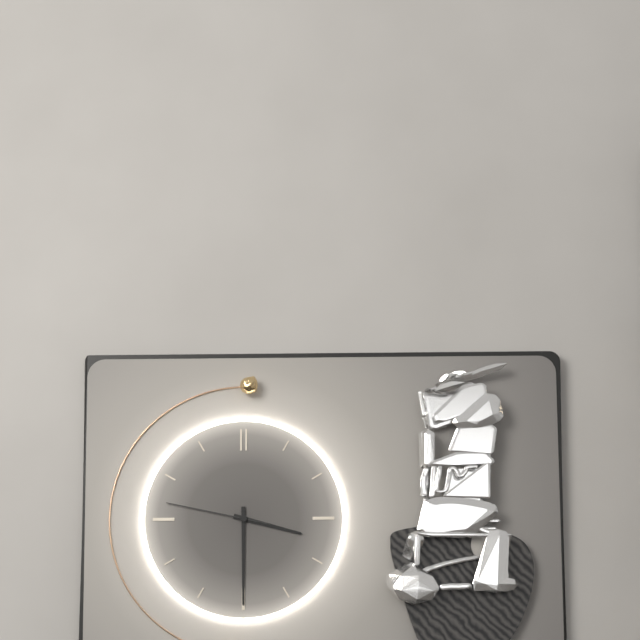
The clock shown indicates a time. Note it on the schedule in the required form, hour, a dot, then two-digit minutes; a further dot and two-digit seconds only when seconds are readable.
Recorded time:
3.30.47
